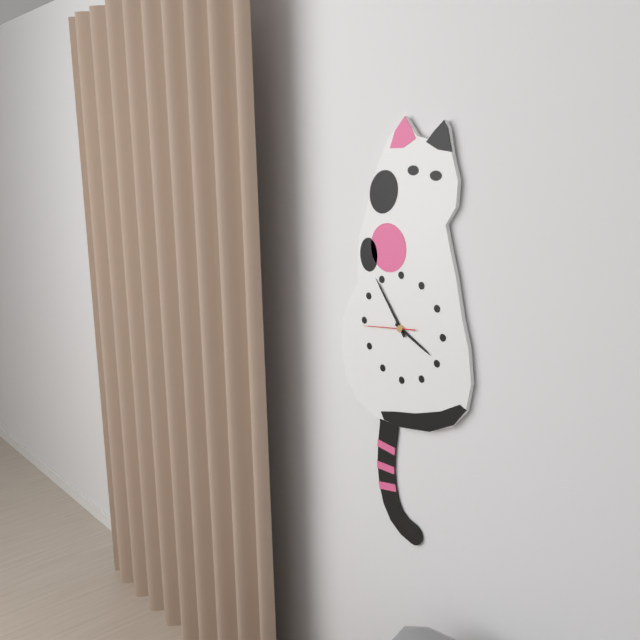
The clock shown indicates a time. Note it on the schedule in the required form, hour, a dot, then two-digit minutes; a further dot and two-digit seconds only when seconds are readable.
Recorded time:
3.54.44
